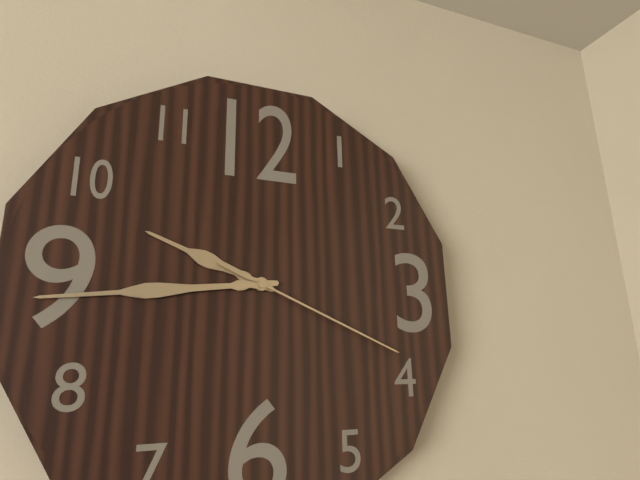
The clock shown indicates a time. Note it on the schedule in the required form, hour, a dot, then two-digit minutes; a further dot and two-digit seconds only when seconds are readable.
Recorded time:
9.44.19
